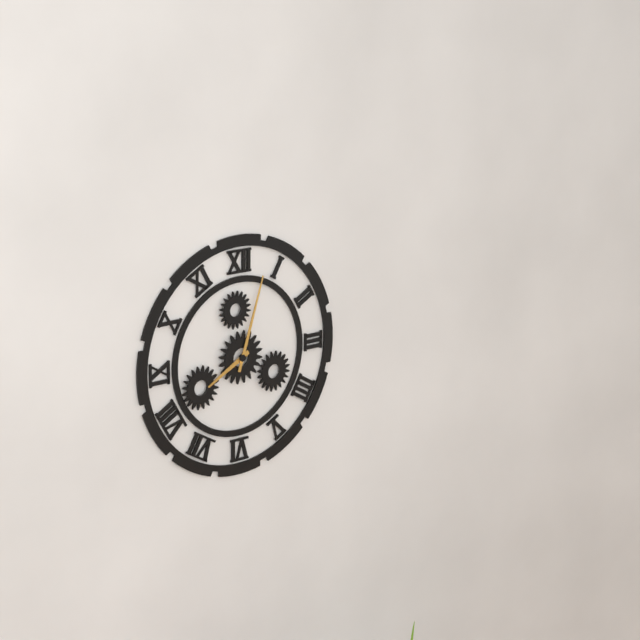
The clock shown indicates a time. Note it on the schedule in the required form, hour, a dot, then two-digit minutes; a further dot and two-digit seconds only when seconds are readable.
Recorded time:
8.03
